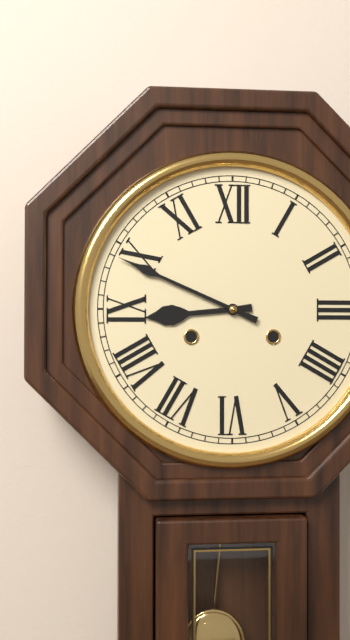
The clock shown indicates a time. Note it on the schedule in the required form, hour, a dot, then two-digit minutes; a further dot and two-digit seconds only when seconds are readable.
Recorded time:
8.49
